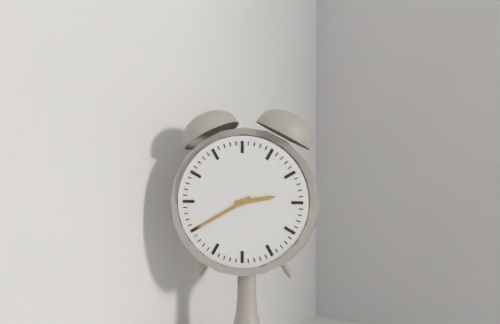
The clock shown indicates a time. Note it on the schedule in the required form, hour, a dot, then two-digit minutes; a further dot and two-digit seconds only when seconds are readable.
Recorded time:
2.40
